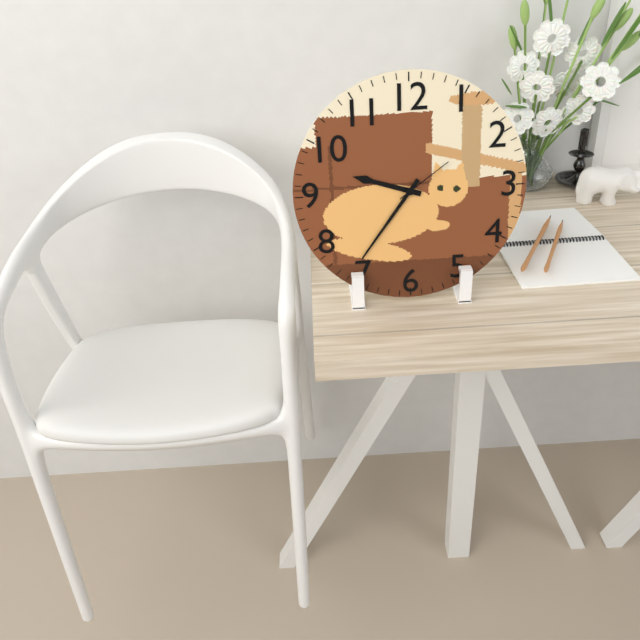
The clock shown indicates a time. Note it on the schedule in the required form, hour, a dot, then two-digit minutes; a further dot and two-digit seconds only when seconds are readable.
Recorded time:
9.36.09
